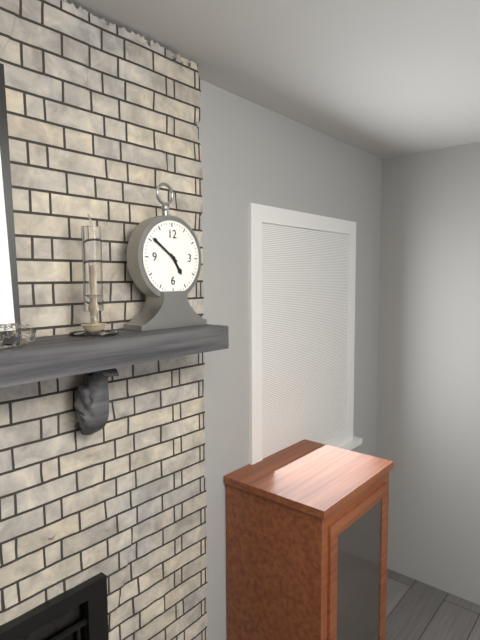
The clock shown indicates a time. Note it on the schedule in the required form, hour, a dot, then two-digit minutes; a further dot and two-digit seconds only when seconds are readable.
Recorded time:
4.51
